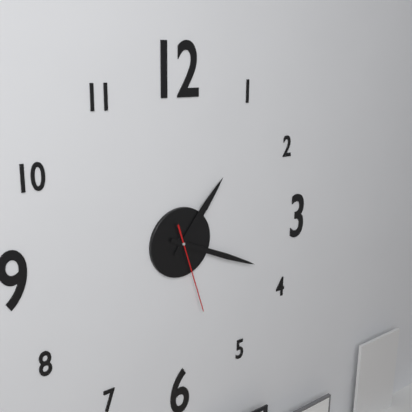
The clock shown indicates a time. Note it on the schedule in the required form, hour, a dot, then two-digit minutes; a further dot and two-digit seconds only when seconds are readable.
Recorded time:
1.19.27
